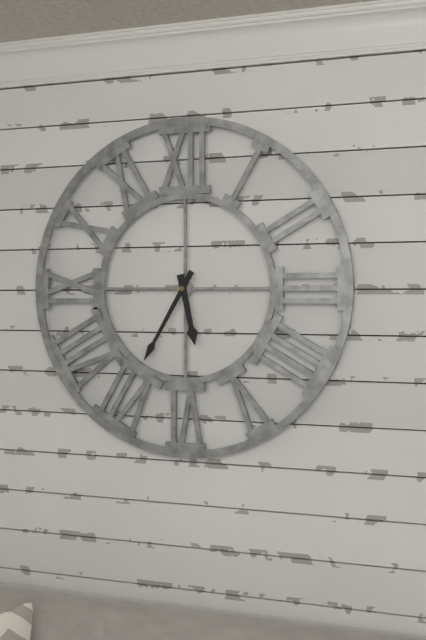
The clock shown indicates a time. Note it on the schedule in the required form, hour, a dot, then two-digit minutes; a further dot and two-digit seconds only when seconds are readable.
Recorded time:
5.35
